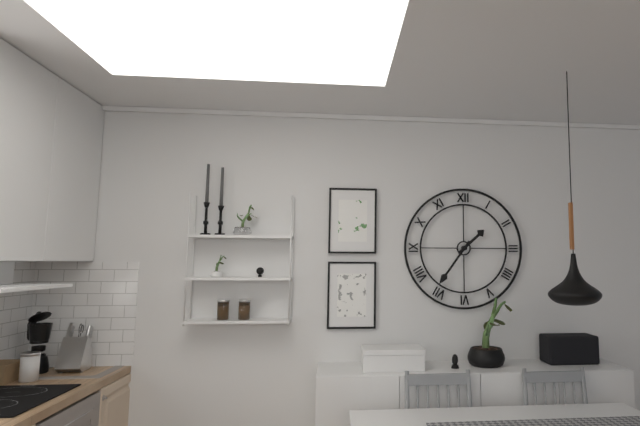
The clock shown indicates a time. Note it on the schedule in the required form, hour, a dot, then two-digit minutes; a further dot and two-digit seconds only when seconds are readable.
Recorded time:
1.36
